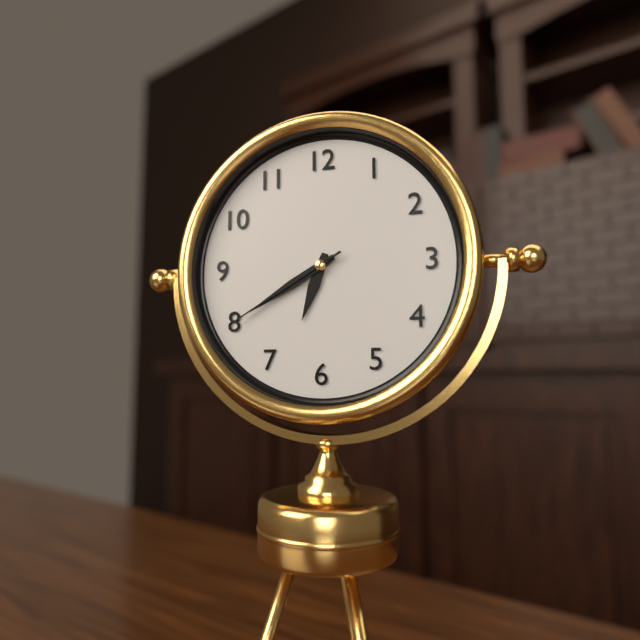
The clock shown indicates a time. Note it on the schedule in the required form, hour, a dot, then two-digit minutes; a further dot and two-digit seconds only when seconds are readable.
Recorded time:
6.40.40
